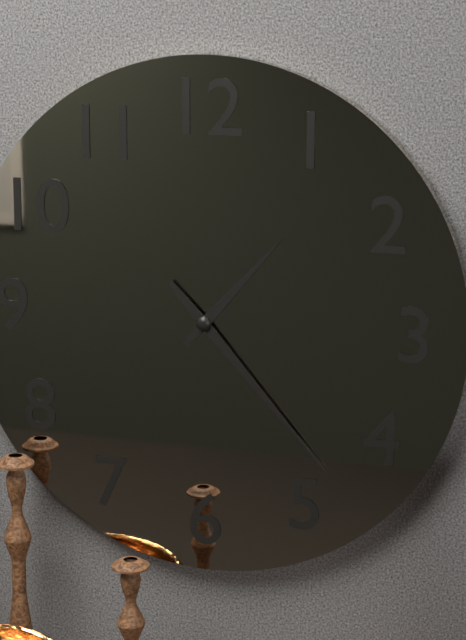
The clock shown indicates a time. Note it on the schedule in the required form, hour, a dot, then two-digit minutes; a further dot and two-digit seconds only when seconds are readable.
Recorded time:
1.23
